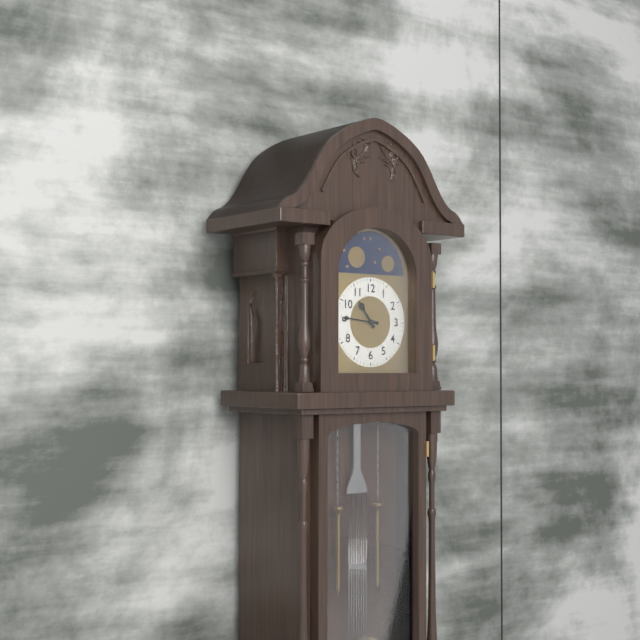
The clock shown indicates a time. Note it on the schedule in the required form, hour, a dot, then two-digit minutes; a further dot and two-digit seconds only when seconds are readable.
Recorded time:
10.46
